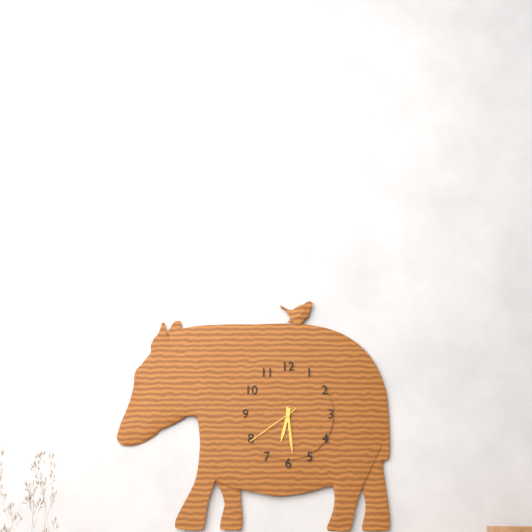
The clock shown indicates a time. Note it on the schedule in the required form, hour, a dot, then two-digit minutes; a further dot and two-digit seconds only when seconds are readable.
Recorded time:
6.29.39
